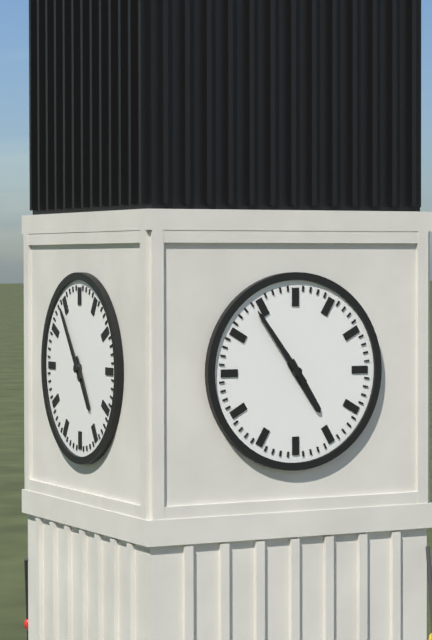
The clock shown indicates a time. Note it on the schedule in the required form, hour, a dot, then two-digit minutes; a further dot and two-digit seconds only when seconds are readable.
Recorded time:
4.54
